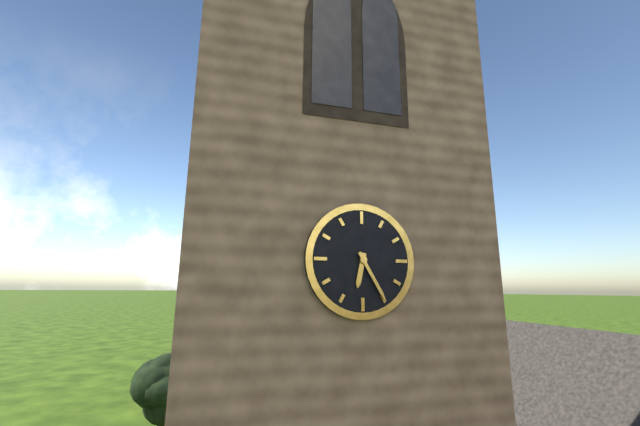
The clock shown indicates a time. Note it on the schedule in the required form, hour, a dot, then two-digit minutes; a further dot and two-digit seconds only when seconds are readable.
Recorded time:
6.25
